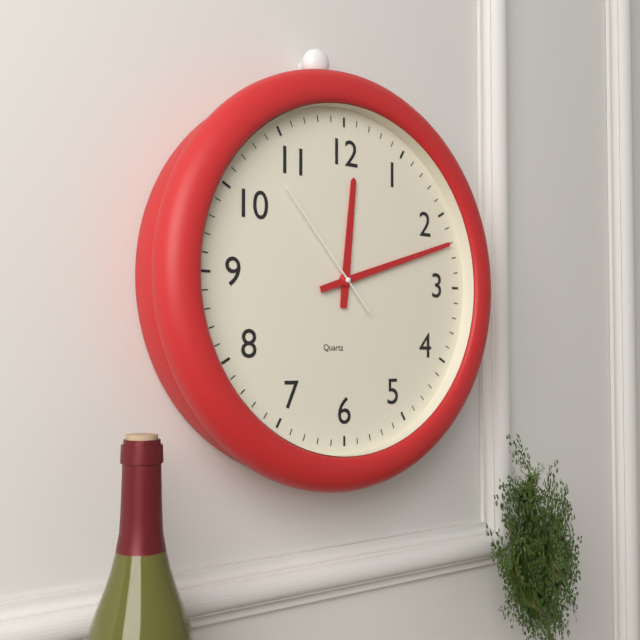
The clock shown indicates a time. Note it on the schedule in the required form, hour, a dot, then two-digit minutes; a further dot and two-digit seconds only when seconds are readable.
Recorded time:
12.12.53
